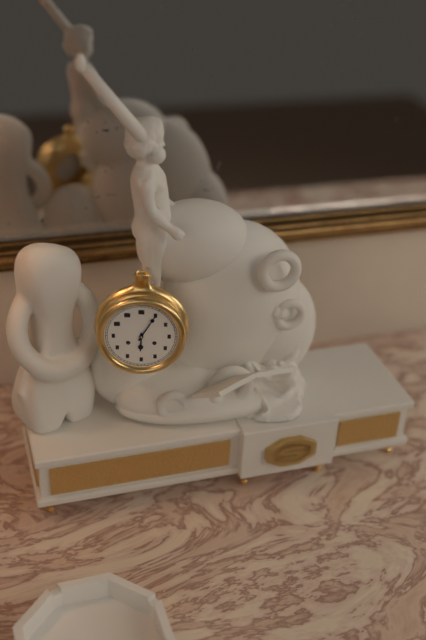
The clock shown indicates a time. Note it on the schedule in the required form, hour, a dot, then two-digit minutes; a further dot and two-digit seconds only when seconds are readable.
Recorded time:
6.05
